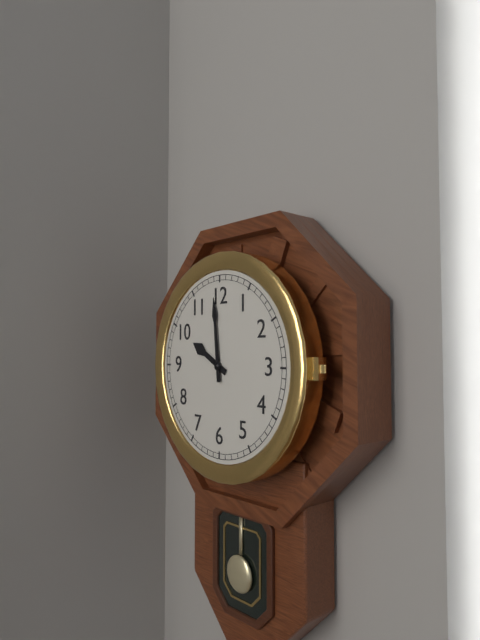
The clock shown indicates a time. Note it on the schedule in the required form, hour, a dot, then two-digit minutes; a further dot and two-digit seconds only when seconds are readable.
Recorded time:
9.59
